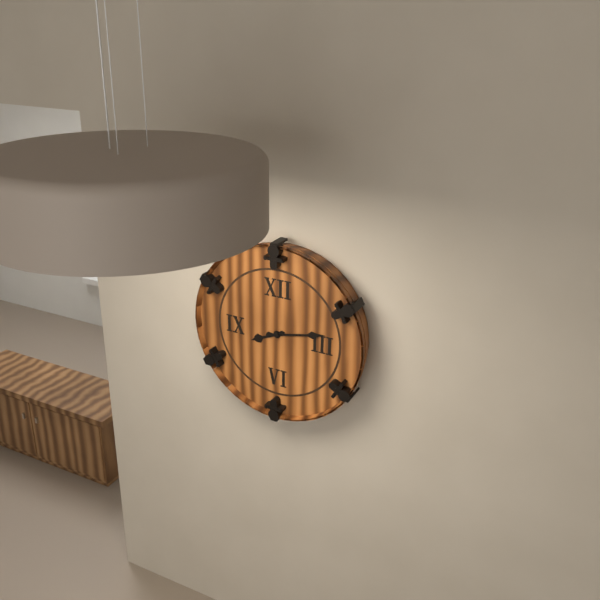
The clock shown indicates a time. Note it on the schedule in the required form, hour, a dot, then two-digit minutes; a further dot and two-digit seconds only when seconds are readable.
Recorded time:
8.13
